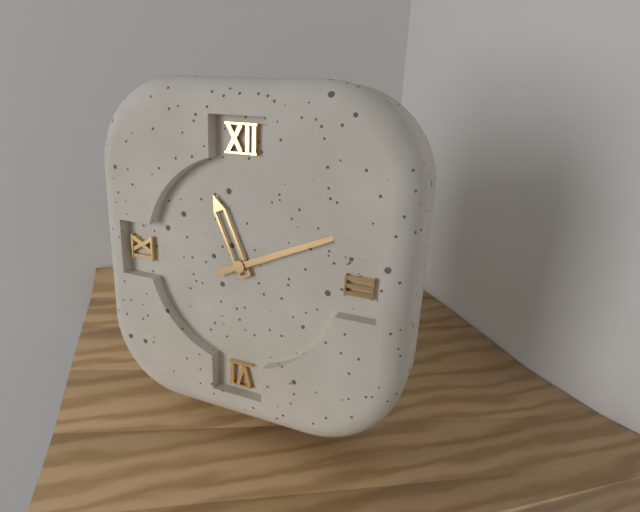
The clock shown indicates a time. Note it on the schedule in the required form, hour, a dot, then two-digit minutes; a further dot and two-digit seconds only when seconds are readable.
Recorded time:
11.11
